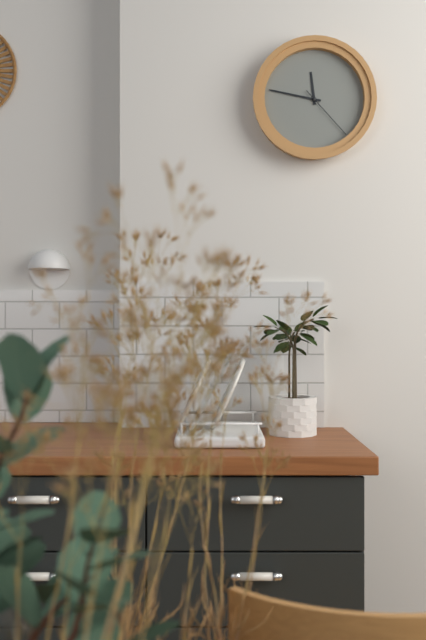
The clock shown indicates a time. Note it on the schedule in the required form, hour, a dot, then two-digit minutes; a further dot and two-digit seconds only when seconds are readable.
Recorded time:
11.47.23
